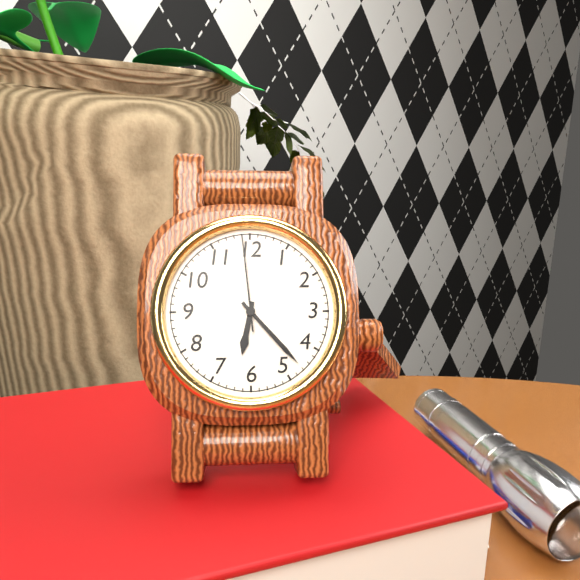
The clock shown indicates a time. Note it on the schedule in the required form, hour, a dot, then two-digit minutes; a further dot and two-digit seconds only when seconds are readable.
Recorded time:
6.23.59
